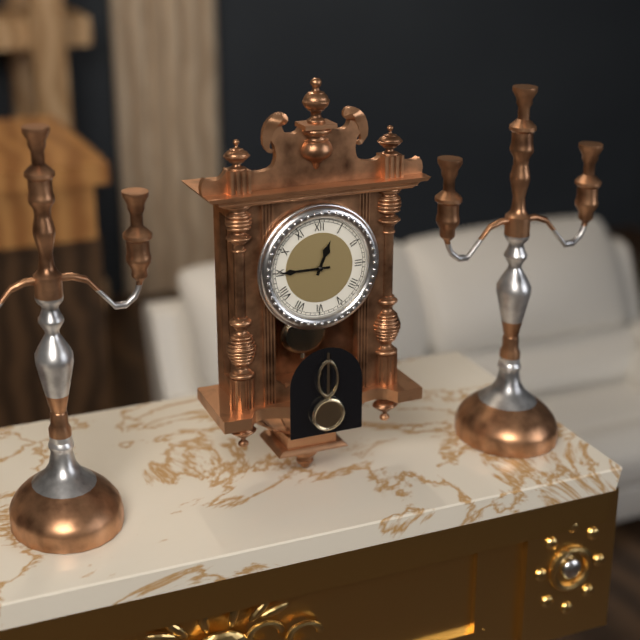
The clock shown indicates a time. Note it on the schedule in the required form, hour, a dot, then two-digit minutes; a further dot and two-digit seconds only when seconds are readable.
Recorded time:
12.45
